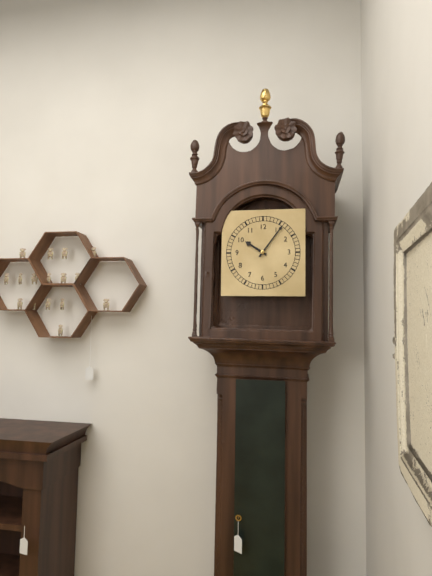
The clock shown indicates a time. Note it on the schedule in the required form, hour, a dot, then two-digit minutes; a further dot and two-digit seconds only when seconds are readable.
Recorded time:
10.06
